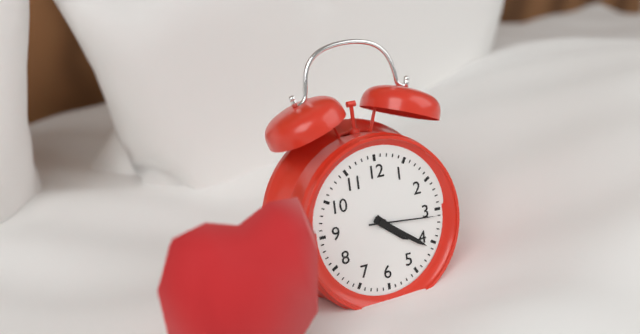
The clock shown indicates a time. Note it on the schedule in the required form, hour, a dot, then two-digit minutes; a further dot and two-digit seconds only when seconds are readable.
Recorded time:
4.21.16
